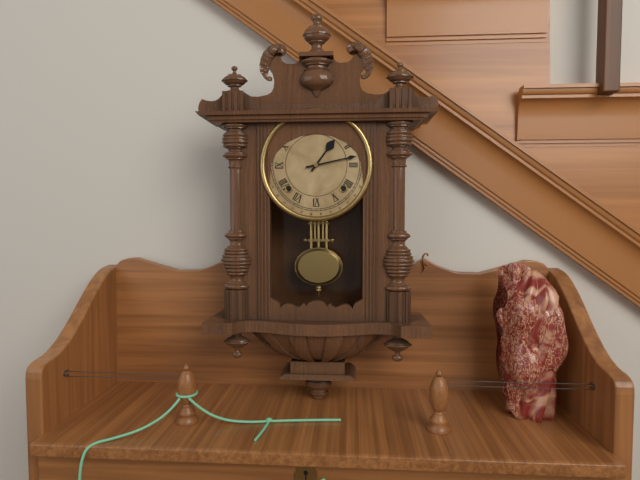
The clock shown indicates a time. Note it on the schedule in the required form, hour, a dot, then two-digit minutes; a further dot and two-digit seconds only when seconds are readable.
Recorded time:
1.13
